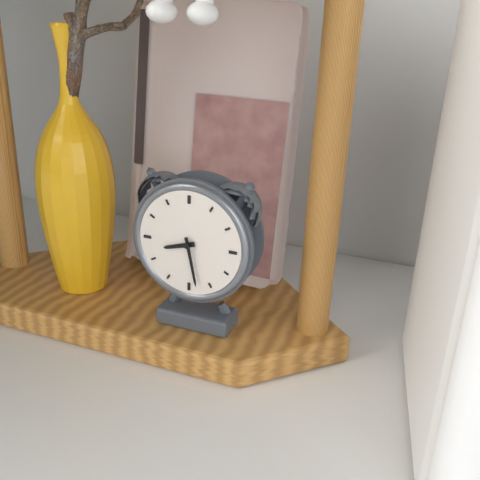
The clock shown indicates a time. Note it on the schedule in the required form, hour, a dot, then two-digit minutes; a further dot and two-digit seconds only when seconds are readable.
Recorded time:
8.28
